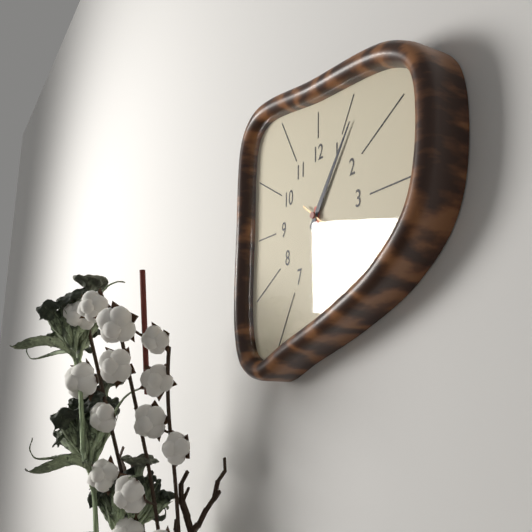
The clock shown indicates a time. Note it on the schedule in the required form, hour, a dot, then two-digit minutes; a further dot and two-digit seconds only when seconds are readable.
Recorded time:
6.06.21
